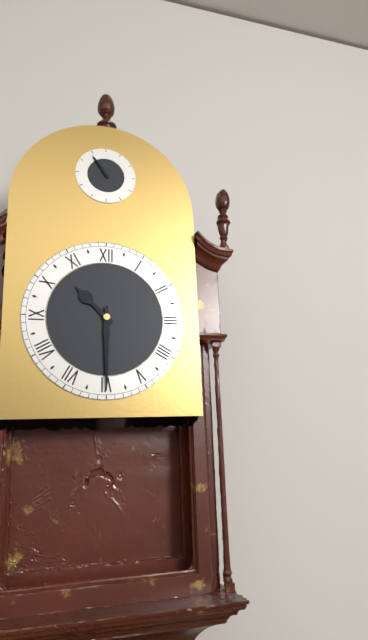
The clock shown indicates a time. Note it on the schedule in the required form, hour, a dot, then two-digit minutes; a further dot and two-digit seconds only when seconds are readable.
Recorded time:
10.30
